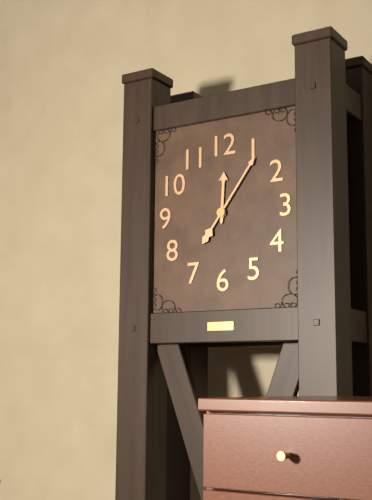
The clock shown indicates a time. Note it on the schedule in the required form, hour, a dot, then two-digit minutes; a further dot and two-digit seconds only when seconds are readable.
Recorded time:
12.06
